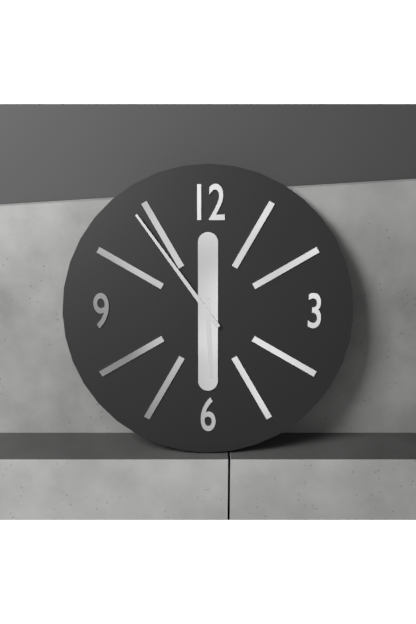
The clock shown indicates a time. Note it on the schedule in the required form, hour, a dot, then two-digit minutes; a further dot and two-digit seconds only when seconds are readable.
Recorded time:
5.54
